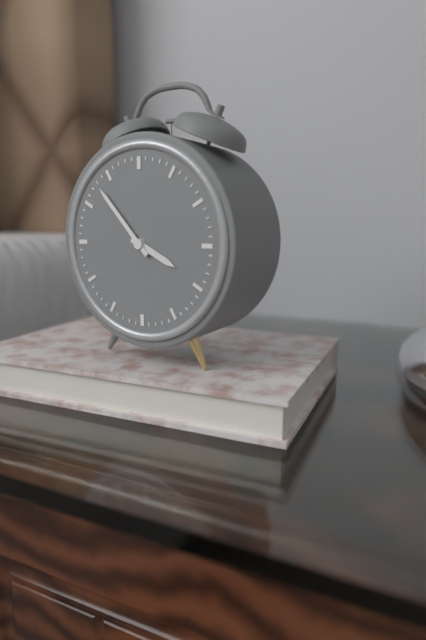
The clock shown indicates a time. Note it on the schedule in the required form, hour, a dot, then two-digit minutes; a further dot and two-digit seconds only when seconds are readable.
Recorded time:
3.53
